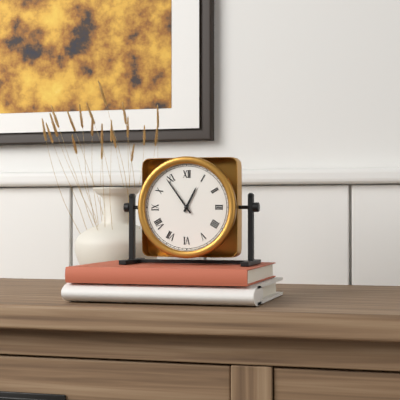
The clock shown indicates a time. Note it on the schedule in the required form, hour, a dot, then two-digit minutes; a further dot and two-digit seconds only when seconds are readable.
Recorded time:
12.54
